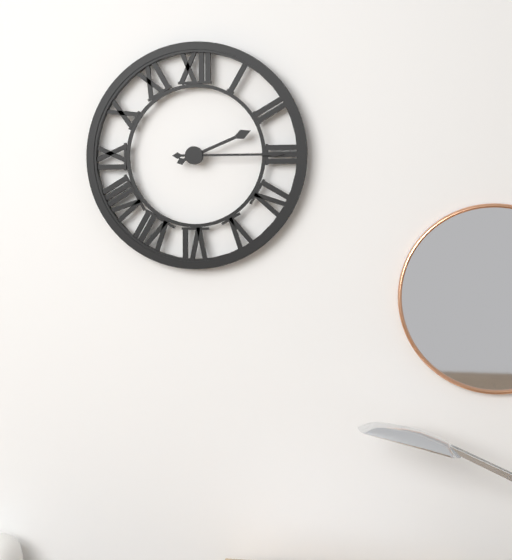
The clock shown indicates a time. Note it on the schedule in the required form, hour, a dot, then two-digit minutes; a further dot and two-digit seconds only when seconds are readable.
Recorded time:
2.15
